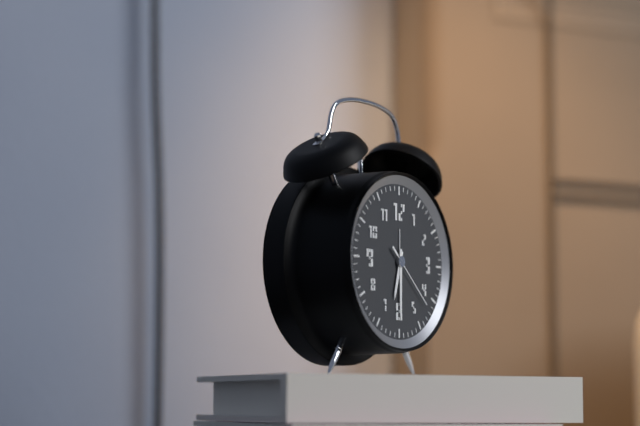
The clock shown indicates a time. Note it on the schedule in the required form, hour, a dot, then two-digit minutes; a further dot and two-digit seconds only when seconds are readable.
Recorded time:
6.30.22
